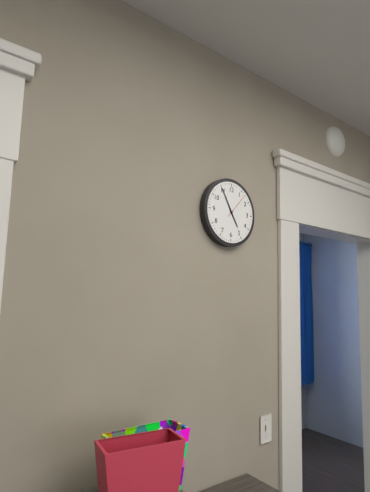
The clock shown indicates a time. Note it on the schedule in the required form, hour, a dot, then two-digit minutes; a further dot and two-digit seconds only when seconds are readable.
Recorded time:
4.55
